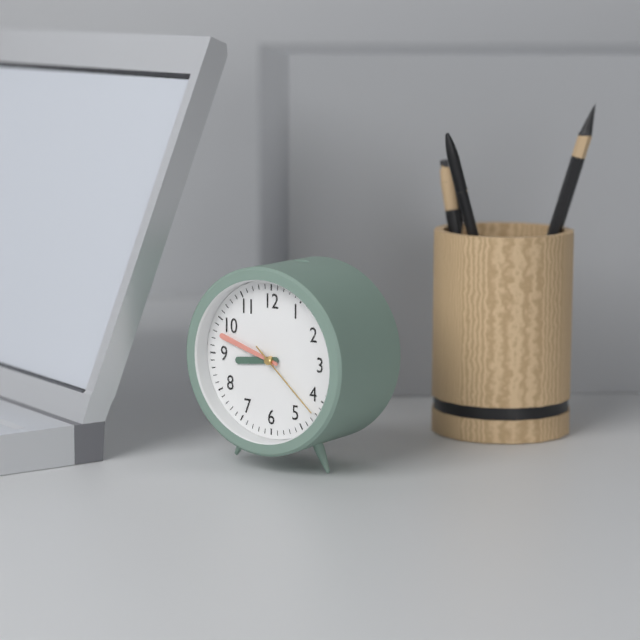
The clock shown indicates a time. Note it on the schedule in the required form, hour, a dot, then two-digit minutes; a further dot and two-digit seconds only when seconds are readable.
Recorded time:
8.48.22
